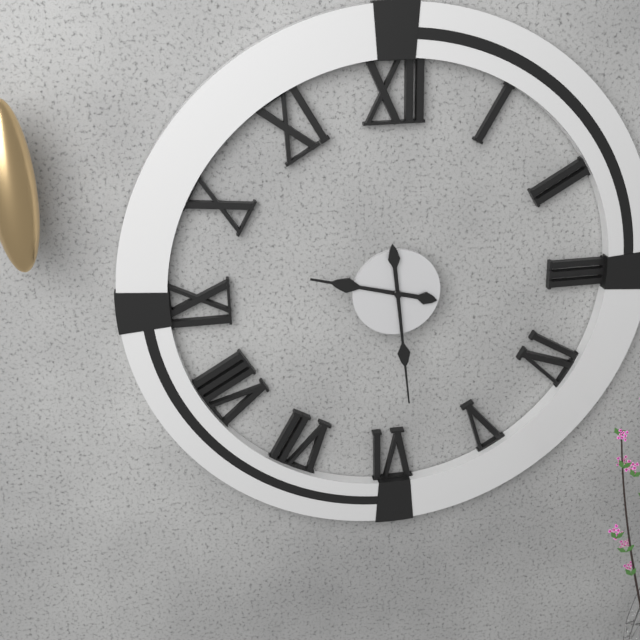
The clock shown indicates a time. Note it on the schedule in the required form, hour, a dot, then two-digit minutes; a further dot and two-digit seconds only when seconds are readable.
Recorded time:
9.29
